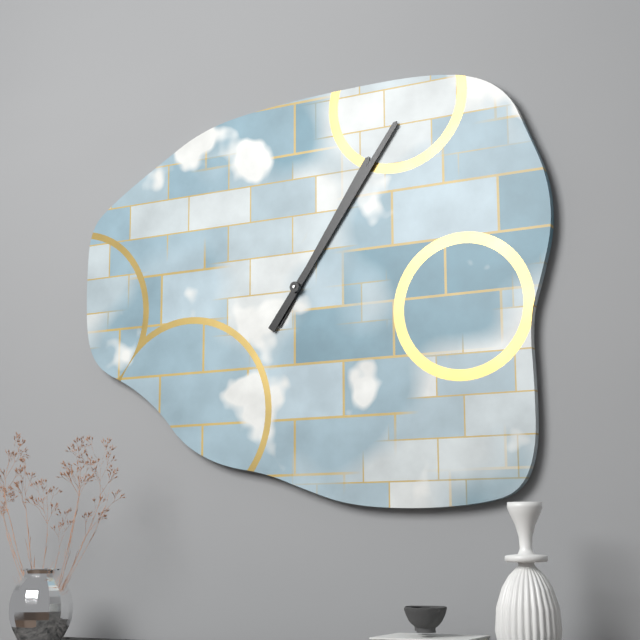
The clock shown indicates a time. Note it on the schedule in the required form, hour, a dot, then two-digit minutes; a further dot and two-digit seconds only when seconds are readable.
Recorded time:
1.06
